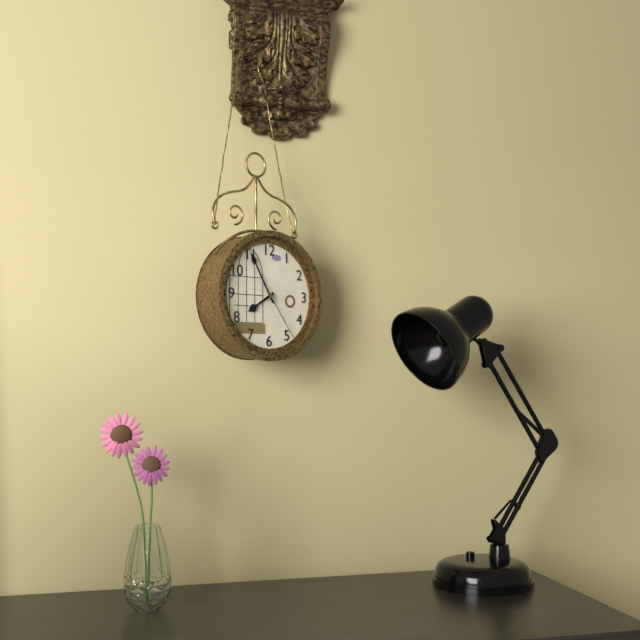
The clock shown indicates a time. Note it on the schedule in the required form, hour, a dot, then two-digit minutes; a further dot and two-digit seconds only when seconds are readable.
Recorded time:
7.55.24
